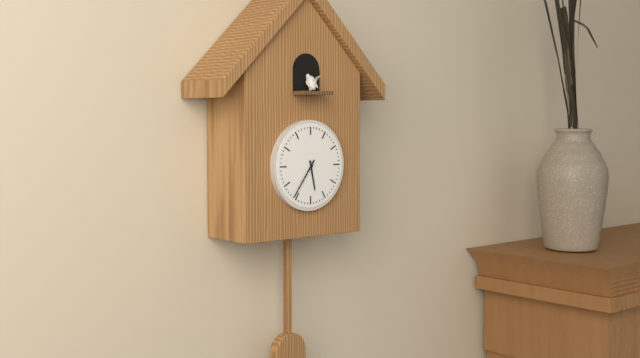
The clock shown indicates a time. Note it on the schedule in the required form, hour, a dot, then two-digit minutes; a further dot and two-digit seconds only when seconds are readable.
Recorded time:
5.36
